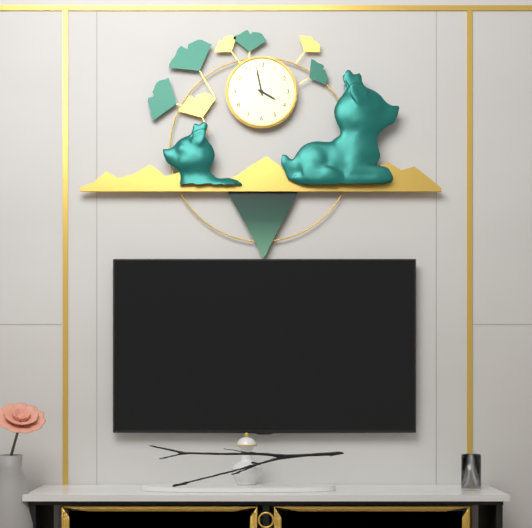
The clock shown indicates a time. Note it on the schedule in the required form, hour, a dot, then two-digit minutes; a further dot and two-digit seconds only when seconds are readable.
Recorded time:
3.58
